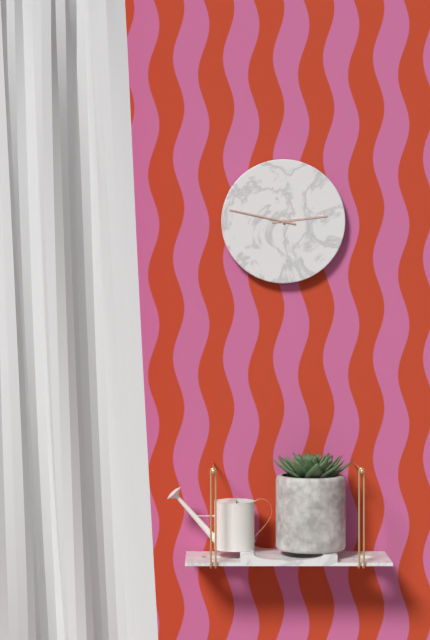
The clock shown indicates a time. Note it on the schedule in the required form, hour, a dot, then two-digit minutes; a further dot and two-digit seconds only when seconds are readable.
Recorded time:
2.47
